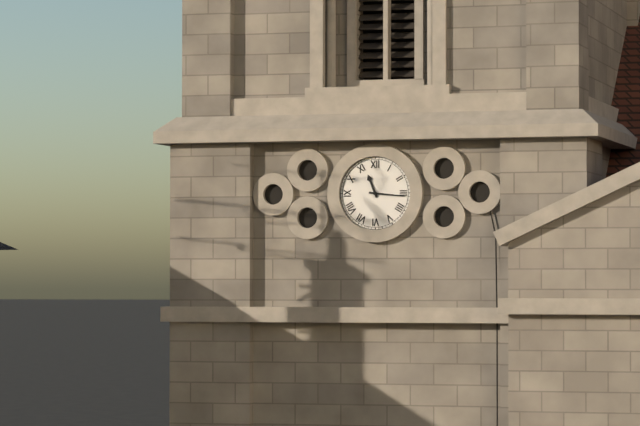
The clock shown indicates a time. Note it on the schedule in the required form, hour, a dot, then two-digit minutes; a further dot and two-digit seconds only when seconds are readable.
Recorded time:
11.16
